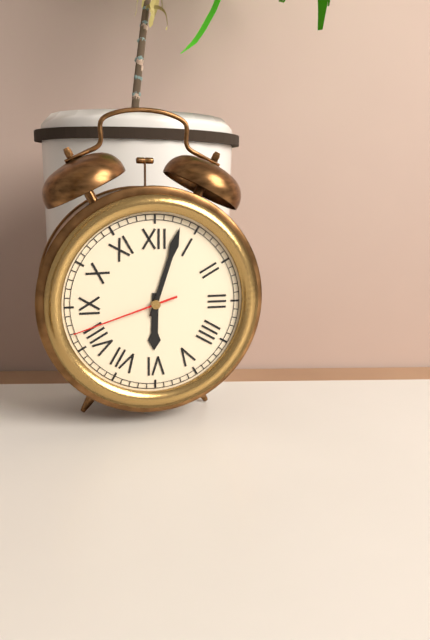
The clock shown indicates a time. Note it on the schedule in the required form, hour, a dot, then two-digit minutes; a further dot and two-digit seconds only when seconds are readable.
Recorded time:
6.03.42
